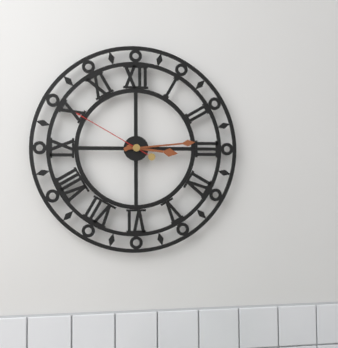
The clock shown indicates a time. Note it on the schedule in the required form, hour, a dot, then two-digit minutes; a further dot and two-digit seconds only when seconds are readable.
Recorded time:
3.14.50
